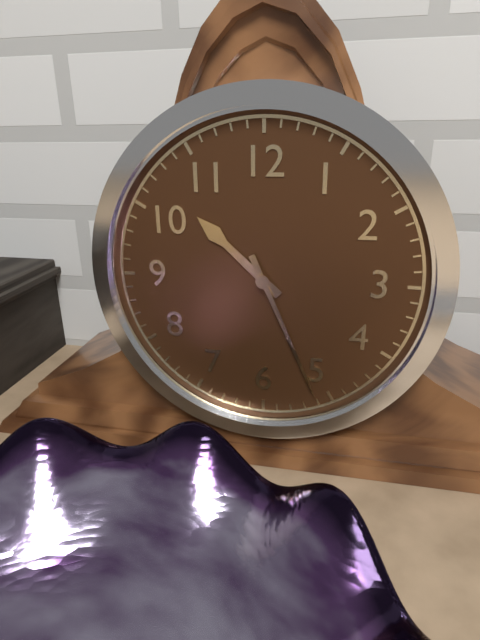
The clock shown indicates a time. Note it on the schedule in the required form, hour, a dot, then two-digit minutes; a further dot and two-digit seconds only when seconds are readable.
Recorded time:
10.26
